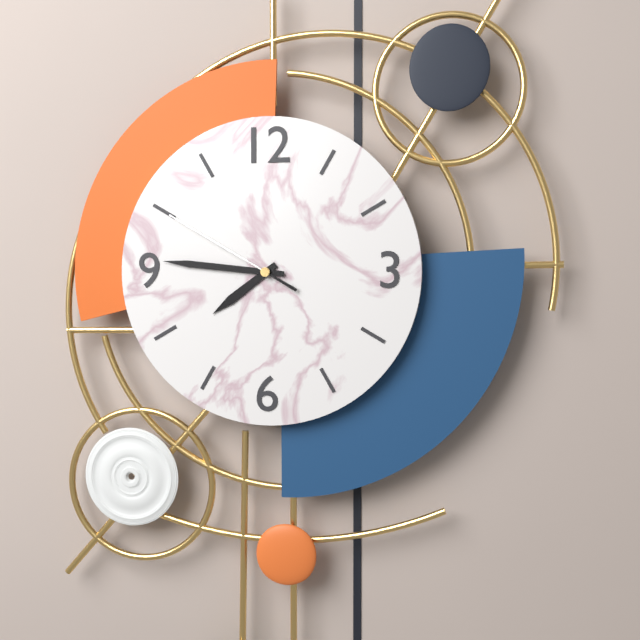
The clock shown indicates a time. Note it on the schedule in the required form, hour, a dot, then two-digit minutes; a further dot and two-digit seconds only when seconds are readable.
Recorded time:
7.46.50
